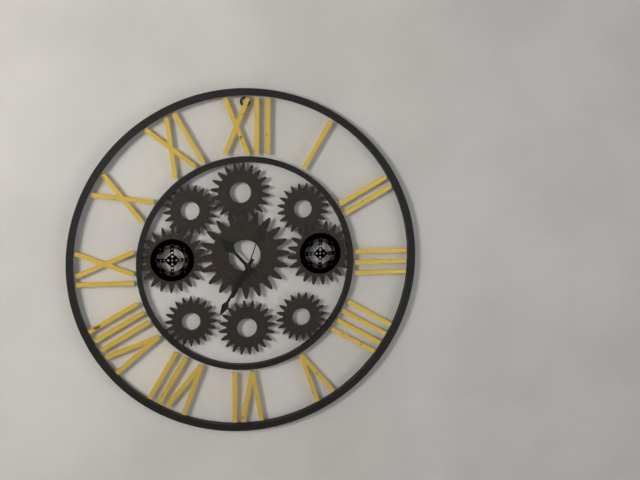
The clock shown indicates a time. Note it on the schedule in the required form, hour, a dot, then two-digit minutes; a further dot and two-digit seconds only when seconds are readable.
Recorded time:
10.35.03
